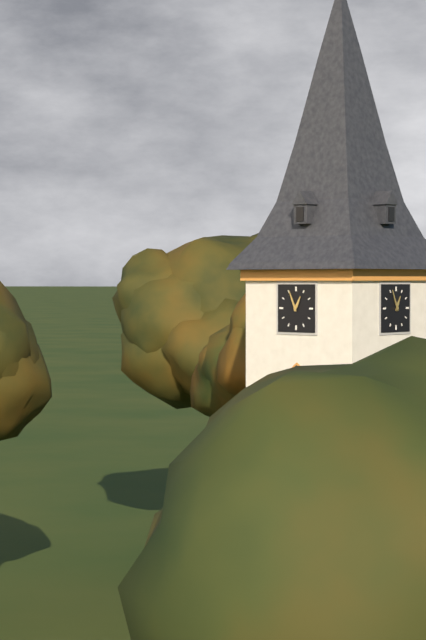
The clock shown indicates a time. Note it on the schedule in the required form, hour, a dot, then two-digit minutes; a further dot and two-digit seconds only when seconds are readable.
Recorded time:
12.56
